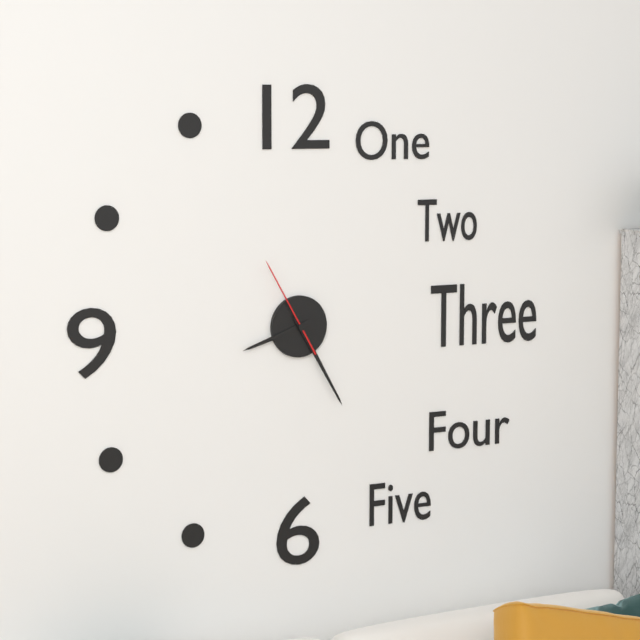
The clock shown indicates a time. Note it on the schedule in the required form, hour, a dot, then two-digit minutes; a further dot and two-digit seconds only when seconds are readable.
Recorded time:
8.25.55
